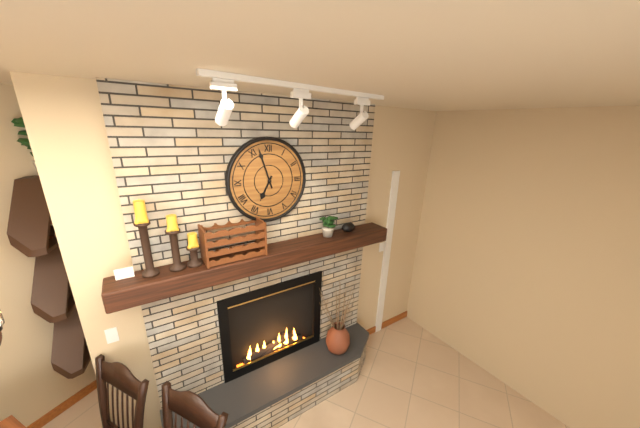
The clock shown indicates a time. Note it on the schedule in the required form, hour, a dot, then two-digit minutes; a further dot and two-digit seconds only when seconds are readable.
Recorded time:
6.57
